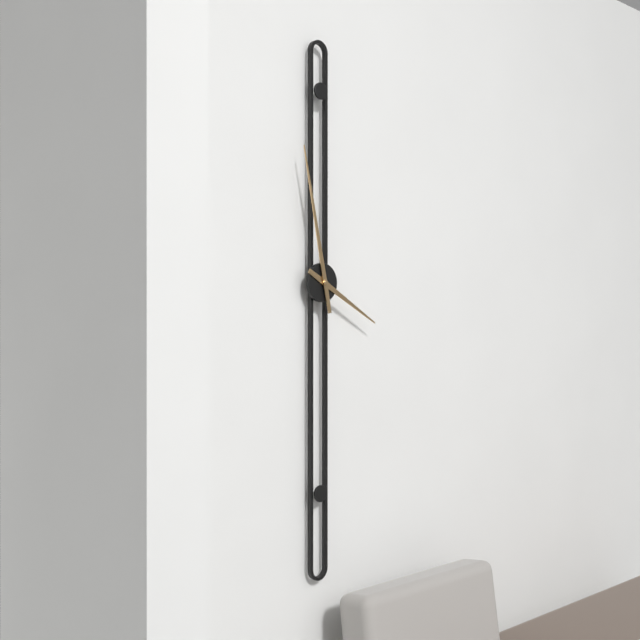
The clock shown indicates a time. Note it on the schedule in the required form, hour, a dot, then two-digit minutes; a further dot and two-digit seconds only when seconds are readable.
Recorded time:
3.58
